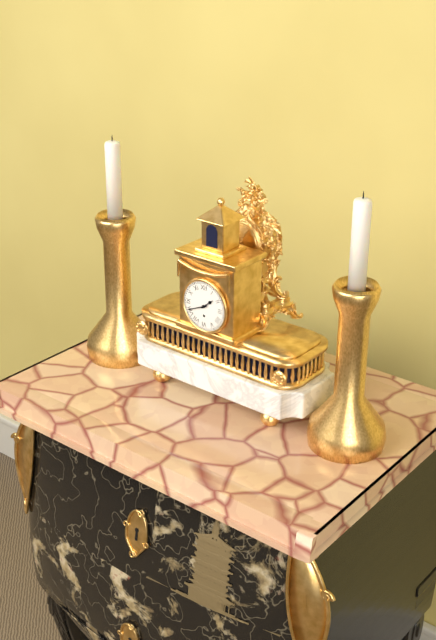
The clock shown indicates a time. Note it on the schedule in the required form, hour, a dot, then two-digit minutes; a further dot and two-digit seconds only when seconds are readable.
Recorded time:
1.41
